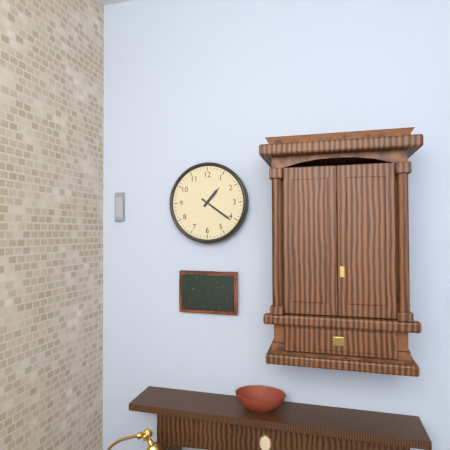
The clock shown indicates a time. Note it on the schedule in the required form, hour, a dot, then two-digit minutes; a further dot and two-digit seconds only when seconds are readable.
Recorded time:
1.21
